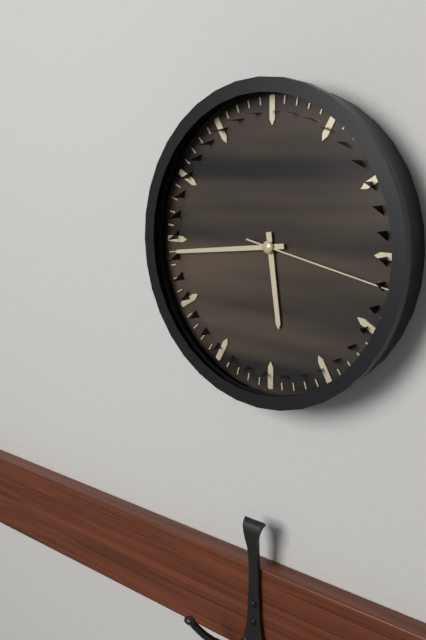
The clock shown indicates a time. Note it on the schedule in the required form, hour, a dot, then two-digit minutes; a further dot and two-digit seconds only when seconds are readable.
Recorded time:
5.44.17
